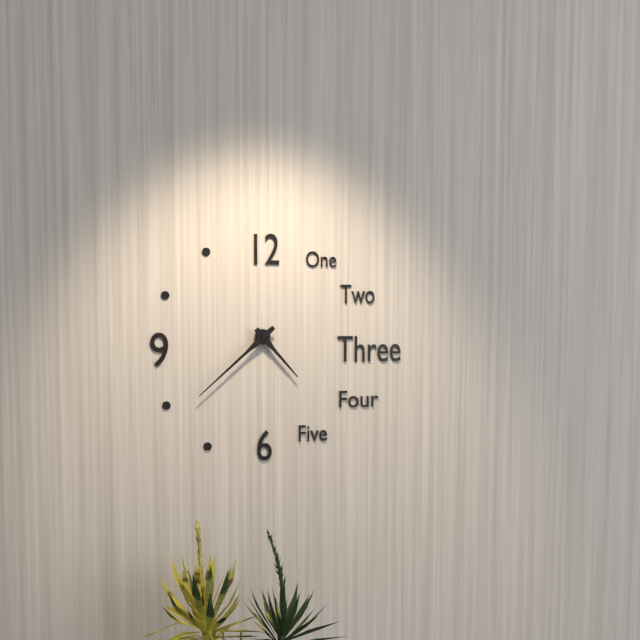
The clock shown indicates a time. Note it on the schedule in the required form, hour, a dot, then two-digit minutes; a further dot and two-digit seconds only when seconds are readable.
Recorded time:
4.38
